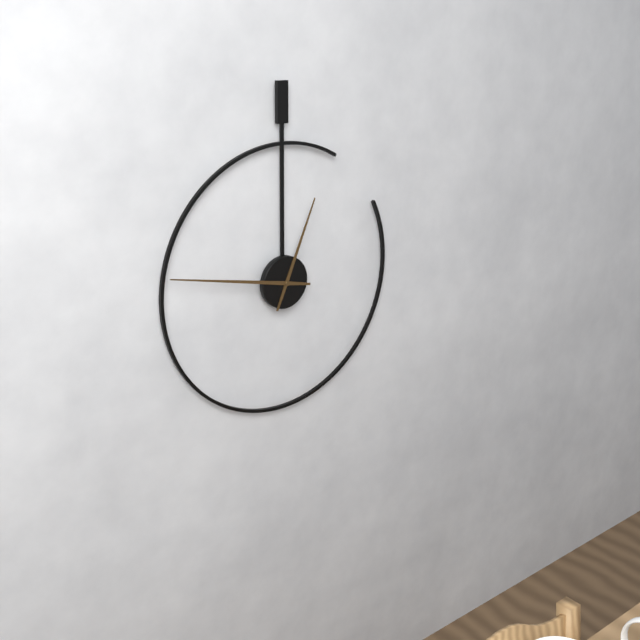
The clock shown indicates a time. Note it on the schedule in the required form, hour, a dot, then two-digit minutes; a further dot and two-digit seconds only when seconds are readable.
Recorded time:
12.47
